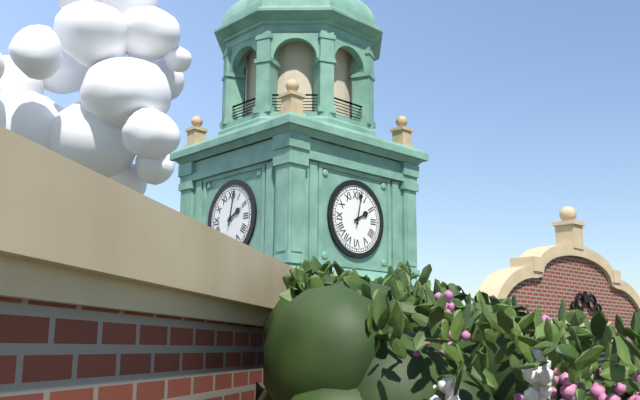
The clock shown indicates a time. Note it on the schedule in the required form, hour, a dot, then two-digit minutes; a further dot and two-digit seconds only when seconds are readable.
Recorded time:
2.02
